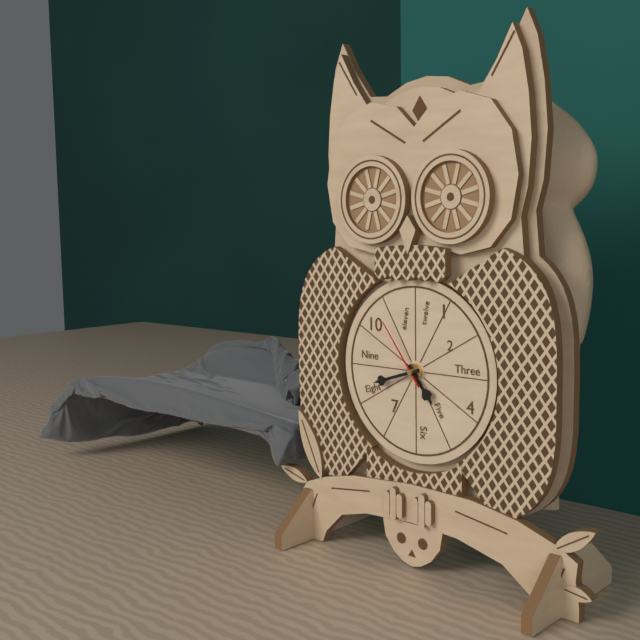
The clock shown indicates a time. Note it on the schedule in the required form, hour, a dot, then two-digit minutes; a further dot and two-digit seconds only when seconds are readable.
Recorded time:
4.42.54
